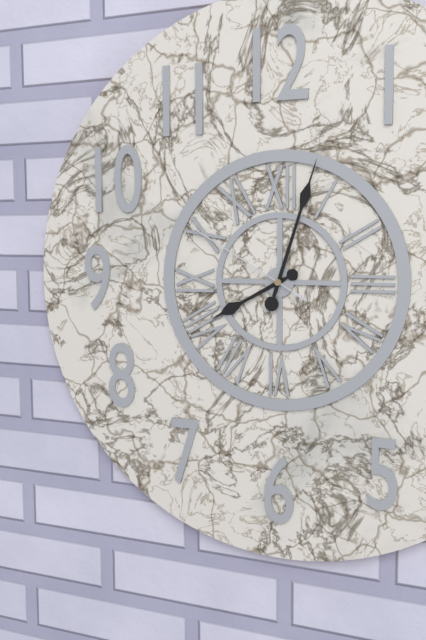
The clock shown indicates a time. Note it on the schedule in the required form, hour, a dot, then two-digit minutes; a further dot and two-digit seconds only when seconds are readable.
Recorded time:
8.03.50
